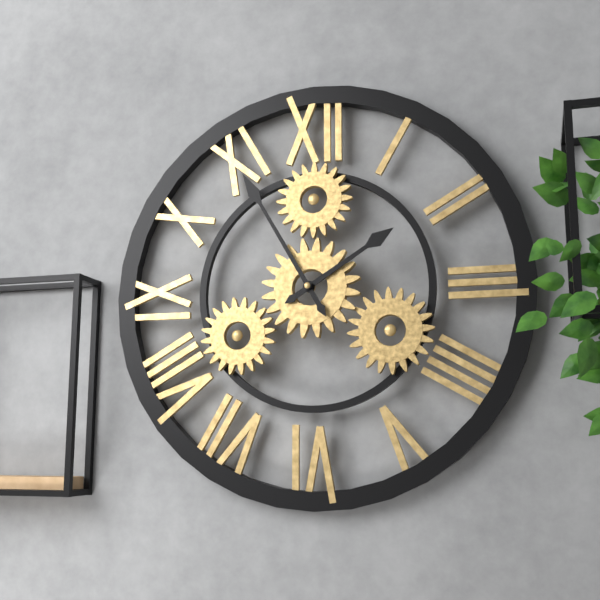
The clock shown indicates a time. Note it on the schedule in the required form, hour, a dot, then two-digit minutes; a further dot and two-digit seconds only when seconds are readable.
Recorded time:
1.55
